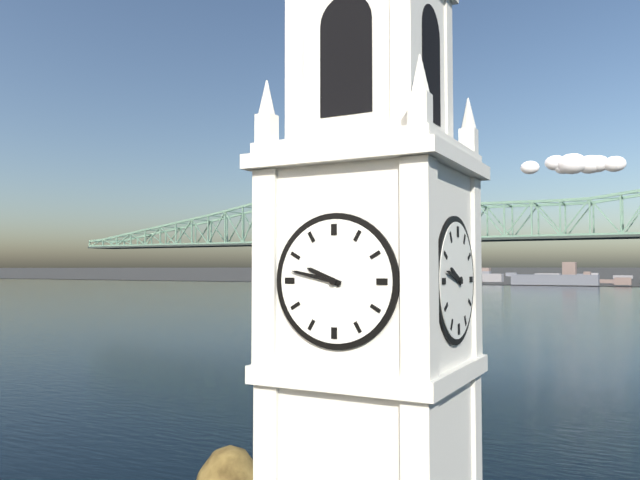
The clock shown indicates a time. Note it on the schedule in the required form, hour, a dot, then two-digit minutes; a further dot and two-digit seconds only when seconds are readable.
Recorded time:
9.47
